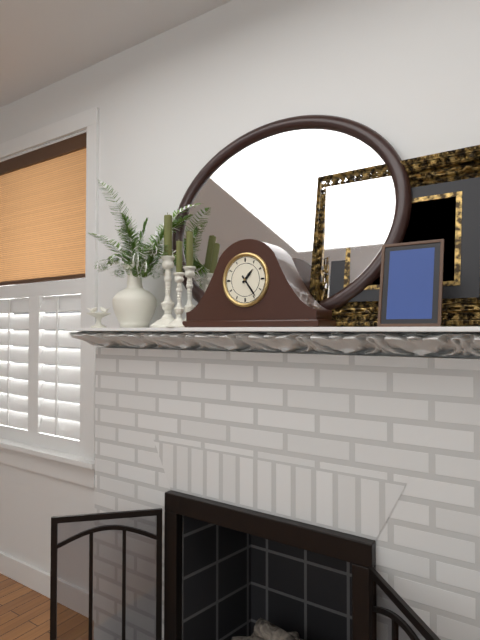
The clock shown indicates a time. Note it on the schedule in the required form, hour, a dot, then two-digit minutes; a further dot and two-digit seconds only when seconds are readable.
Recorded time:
1.24
